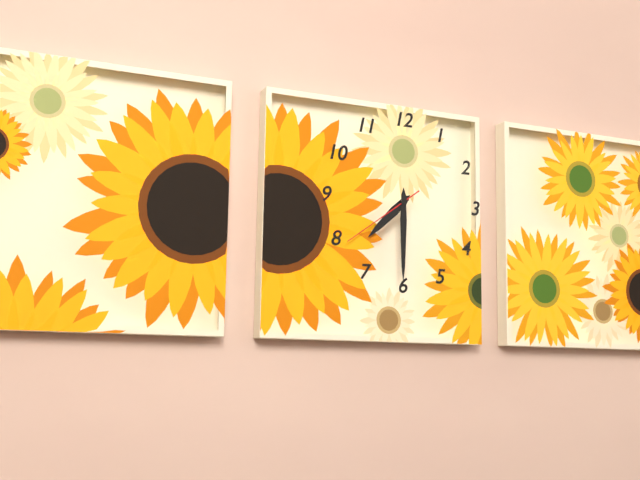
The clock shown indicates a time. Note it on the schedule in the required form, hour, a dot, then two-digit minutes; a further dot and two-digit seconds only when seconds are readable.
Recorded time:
7.30.39
